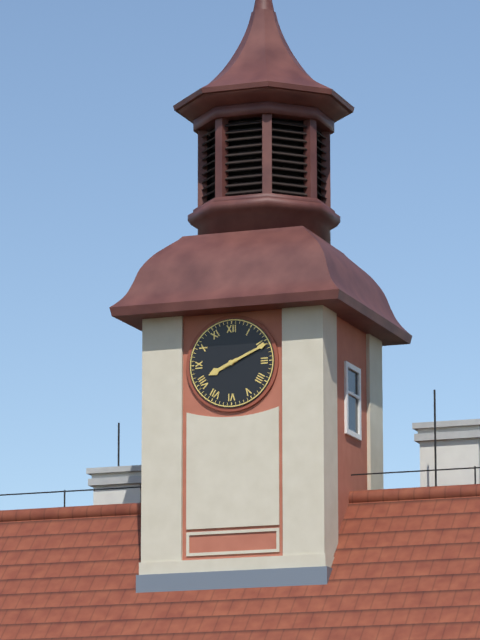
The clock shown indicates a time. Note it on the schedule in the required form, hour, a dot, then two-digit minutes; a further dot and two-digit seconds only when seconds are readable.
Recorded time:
8.11
